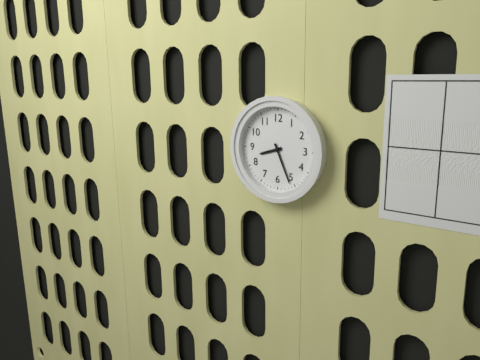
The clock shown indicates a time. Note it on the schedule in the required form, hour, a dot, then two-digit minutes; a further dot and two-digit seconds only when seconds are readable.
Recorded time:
8.26
